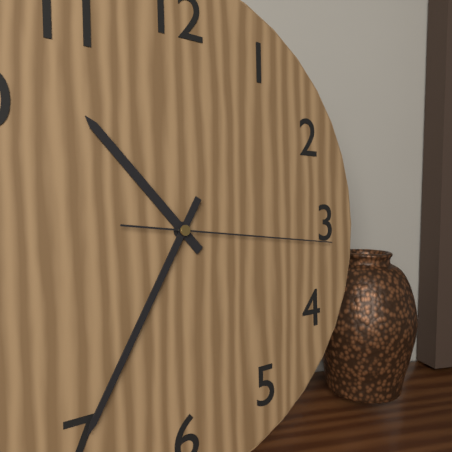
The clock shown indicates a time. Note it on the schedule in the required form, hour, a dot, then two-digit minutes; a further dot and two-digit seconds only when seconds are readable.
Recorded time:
10.35.16
